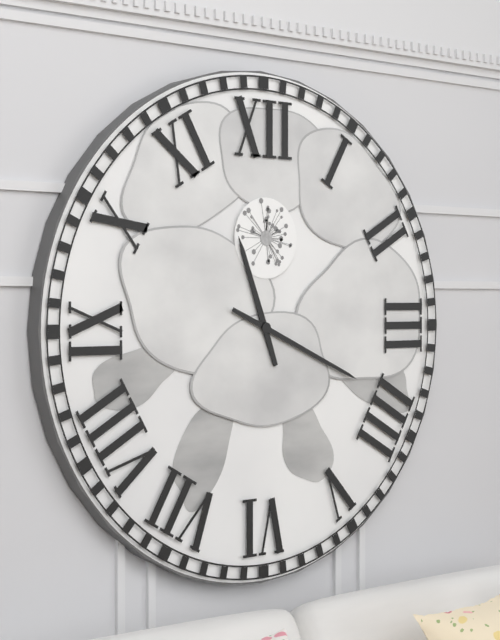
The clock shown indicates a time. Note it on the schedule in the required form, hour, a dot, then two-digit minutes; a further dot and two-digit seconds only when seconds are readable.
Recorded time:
11.19
